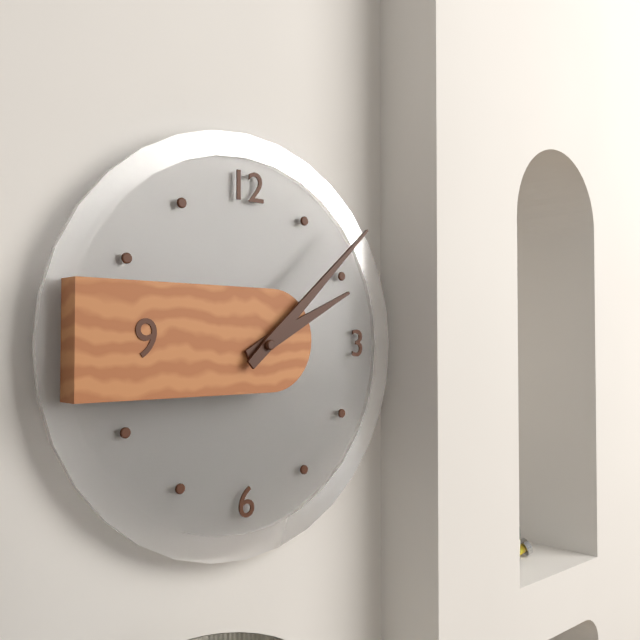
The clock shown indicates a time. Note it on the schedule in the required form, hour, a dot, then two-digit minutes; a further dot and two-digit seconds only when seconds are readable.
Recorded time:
2.08
